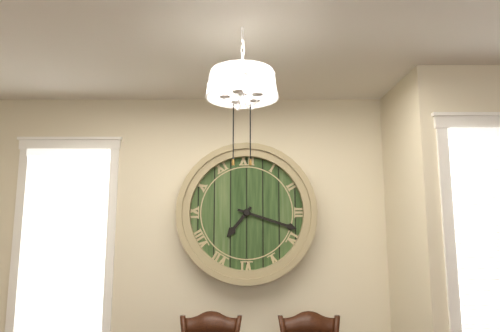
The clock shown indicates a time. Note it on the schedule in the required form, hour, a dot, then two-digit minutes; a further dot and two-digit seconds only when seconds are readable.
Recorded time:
7.18
